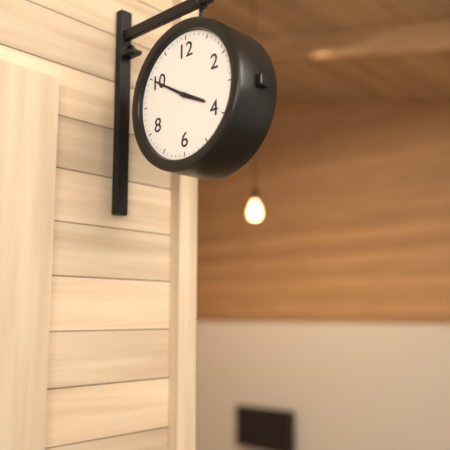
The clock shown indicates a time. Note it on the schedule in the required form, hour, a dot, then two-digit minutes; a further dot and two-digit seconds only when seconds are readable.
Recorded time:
3.50
